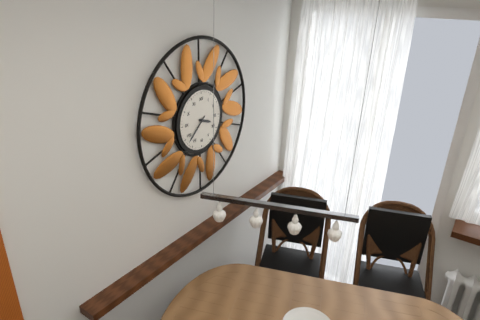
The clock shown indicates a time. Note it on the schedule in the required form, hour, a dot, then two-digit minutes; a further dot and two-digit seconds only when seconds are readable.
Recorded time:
3.38
